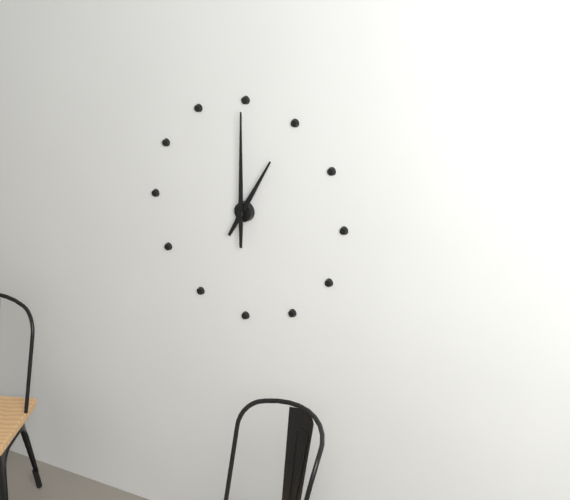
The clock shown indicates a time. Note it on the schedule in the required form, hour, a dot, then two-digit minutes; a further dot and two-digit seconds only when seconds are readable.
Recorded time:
1.00
